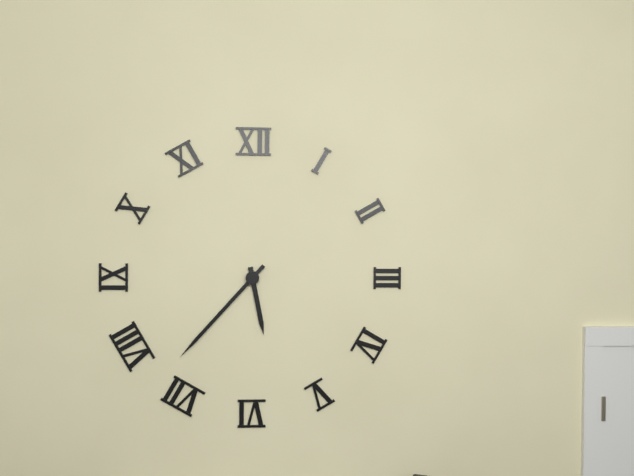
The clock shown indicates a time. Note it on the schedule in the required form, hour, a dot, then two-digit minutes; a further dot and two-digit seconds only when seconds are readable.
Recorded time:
5.37
